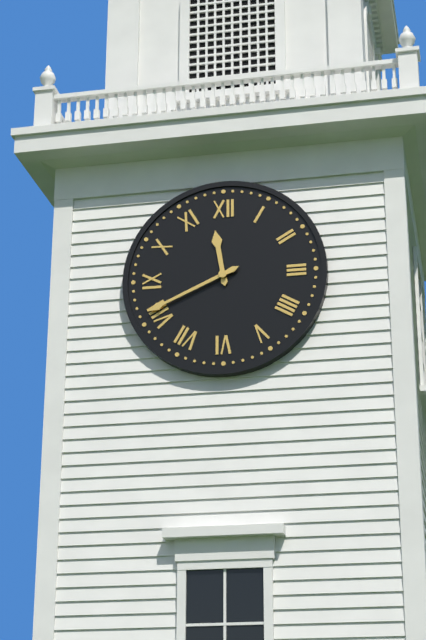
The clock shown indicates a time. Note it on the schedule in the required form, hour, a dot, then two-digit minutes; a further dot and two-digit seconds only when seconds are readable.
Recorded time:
11.41
